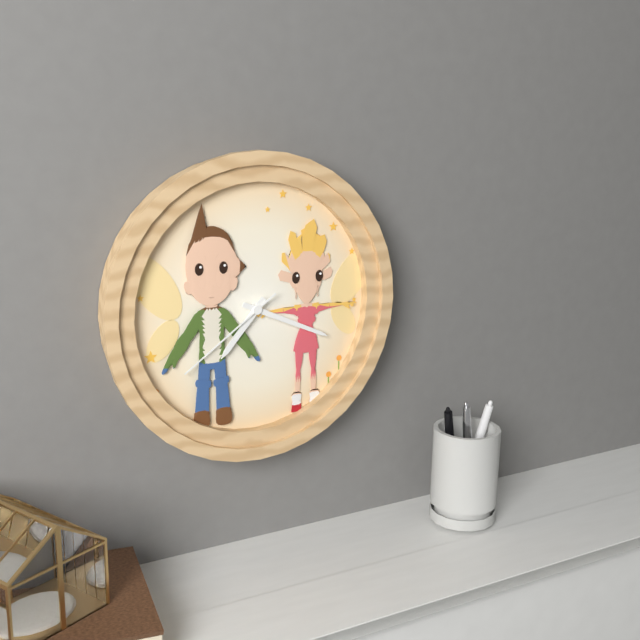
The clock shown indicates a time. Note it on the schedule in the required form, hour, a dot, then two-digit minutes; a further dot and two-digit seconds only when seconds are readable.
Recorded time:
7.19.39
